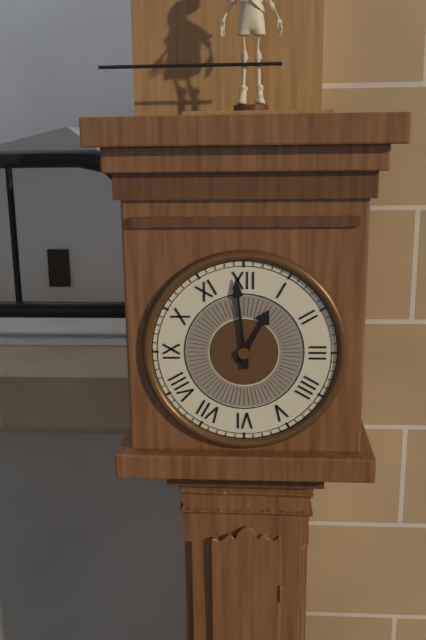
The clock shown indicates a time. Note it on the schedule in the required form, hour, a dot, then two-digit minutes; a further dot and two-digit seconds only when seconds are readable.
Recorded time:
12.59
